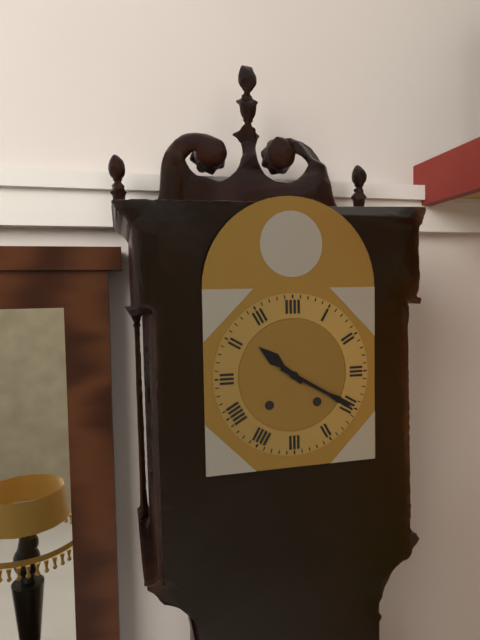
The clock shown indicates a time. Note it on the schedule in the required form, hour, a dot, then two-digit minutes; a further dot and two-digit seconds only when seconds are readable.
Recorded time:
10.20
